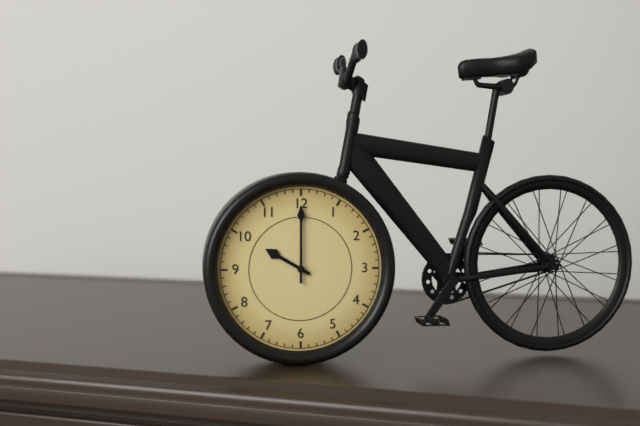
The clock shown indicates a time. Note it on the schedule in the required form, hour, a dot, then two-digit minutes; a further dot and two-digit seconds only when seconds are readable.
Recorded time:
10.00
